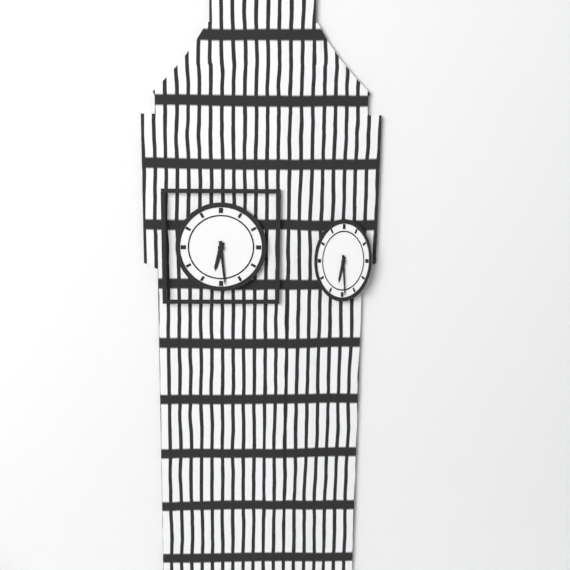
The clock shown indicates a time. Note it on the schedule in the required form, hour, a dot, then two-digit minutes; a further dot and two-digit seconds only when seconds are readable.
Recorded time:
6.29
